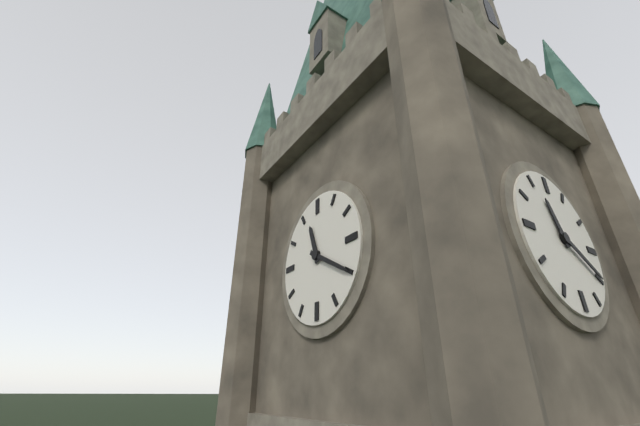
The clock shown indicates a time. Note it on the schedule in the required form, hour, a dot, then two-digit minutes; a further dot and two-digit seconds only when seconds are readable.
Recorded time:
11.20
